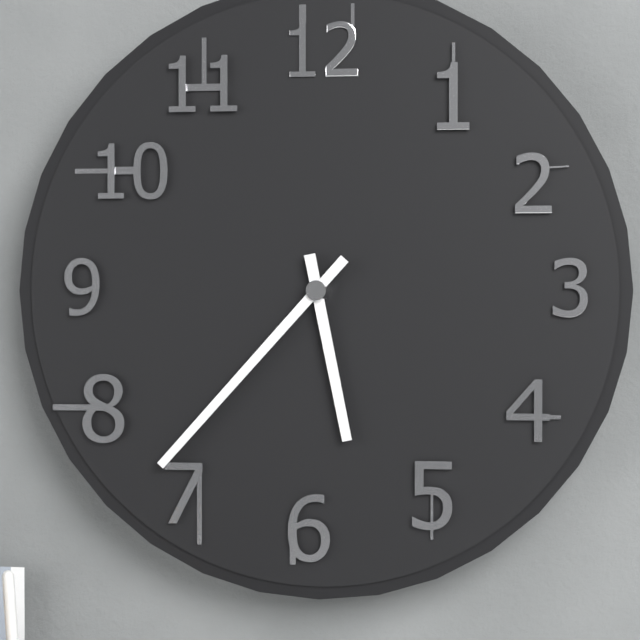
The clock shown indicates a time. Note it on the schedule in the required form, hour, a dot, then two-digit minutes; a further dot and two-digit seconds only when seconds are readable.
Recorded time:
5.37
